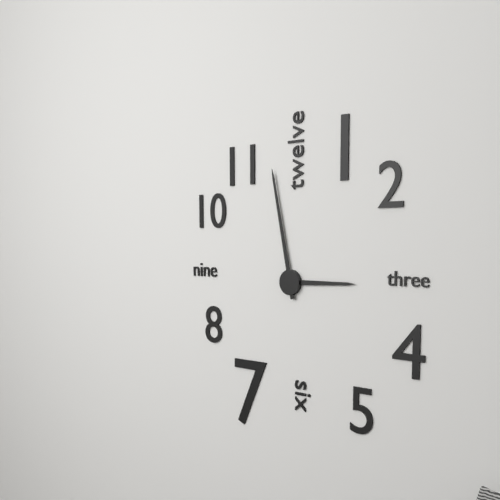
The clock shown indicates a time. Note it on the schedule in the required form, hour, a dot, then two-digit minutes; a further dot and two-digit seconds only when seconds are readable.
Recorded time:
2.58
